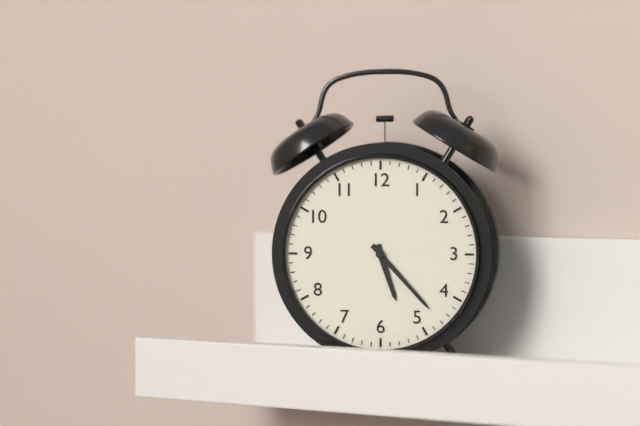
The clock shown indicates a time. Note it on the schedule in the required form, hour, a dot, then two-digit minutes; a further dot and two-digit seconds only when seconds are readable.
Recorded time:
5.23
